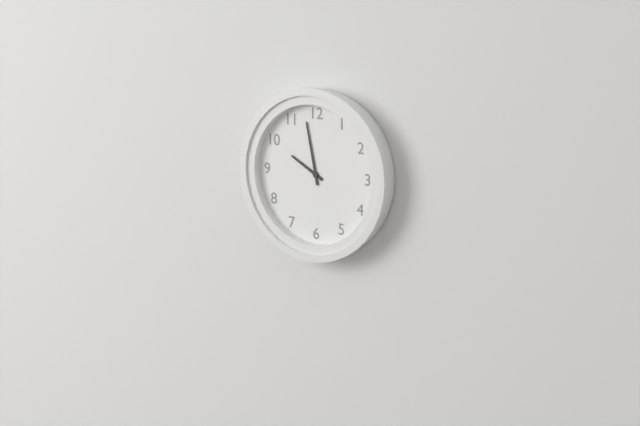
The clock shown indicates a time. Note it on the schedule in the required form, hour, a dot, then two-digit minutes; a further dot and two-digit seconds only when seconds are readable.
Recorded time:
9.58
